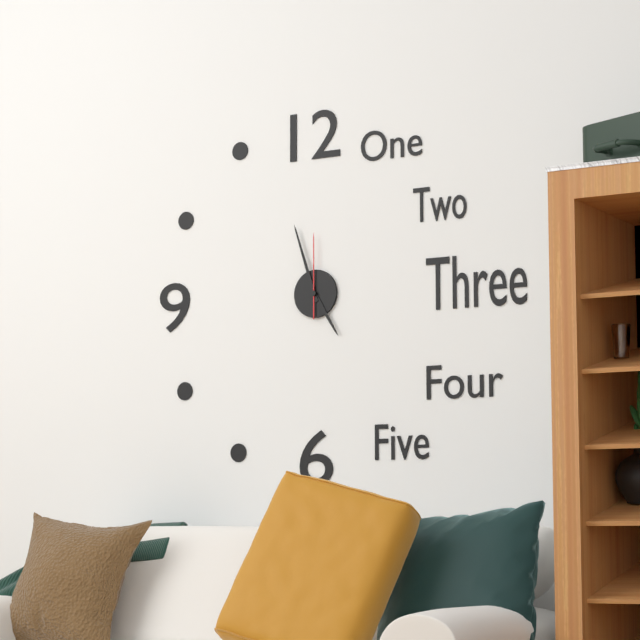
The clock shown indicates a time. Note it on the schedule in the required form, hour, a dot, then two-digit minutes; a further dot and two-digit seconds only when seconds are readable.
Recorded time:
4.57.00
